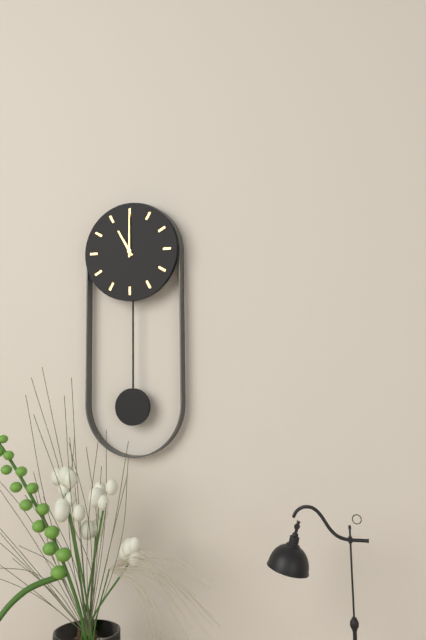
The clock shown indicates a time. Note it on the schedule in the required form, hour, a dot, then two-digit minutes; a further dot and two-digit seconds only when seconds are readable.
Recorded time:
11.00
